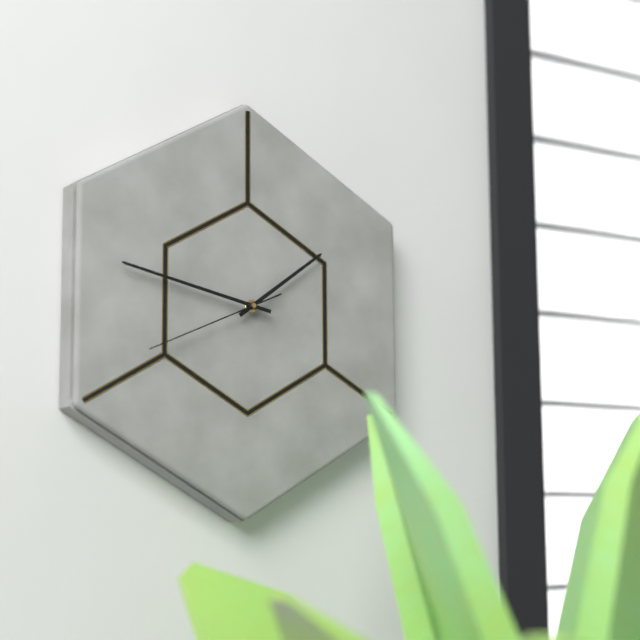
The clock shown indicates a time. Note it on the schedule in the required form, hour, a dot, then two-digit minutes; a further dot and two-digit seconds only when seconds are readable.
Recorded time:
1.47.41
